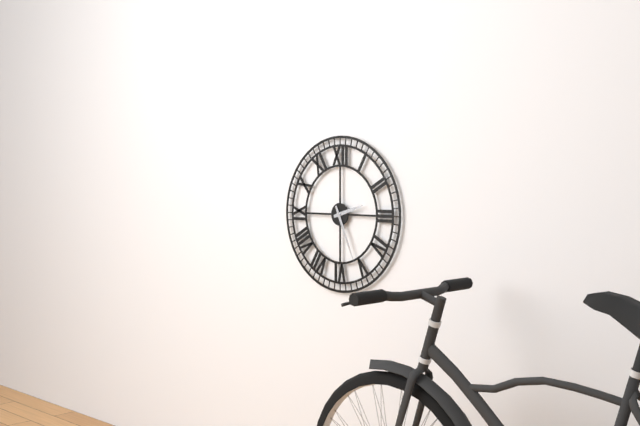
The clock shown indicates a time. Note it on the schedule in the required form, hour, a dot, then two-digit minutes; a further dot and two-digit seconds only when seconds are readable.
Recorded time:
2.26
